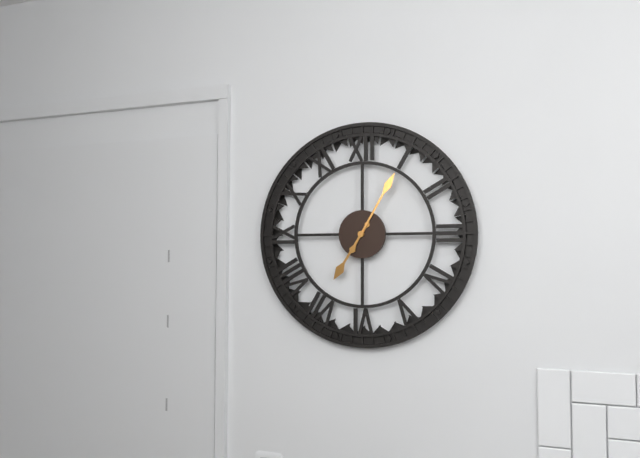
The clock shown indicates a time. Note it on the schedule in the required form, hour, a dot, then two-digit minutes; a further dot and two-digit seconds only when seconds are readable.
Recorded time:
7.05
